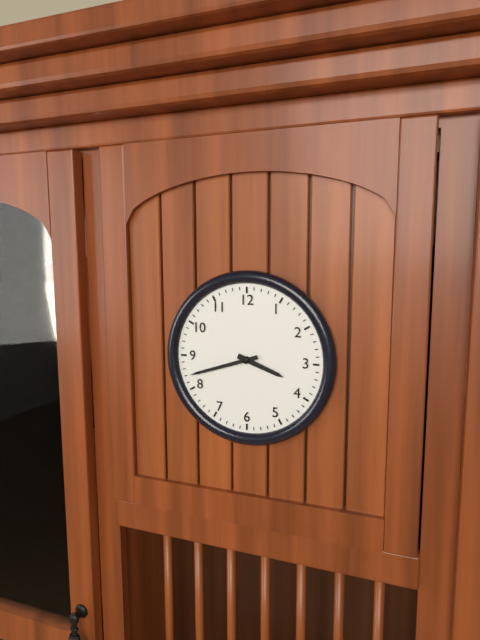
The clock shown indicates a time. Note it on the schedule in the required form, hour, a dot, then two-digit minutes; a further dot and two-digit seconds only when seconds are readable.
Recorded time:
3.42
